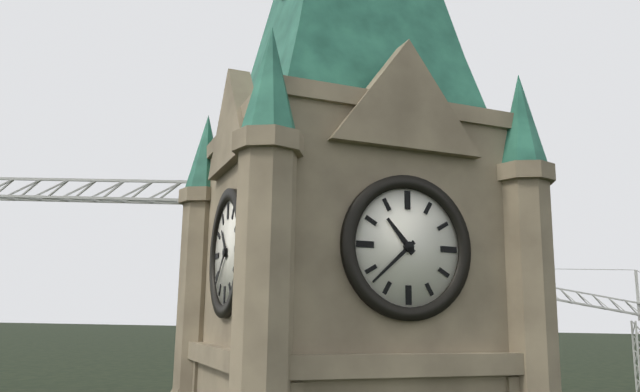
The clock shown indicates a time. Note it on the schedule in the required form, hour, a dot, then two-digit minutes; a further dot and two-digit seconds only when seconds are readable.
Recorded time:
10.38
